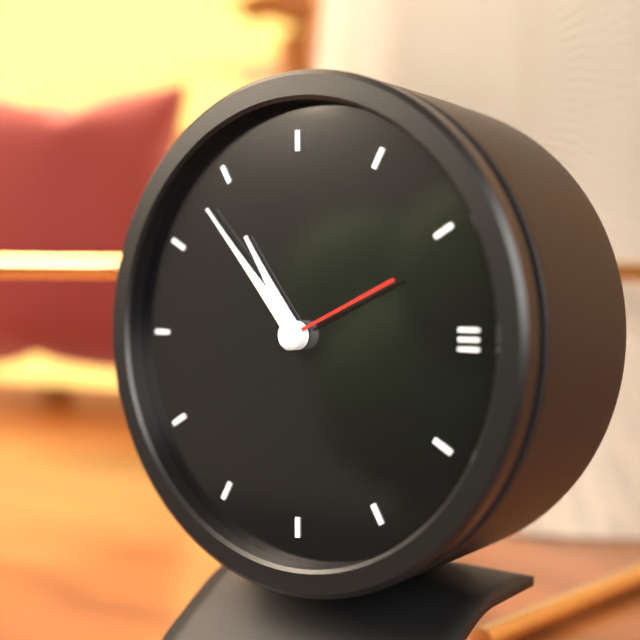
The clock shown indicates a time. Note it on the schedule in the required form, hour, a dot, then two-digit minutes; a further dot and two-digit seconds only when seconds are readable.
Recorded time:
10.53.11
